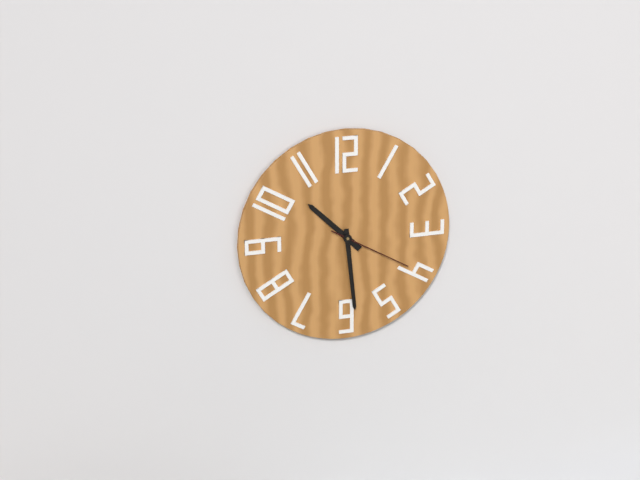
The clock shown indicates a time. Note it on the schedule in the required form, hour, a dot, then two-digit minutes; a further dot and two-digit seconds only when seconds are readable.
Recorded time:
10.29.20
